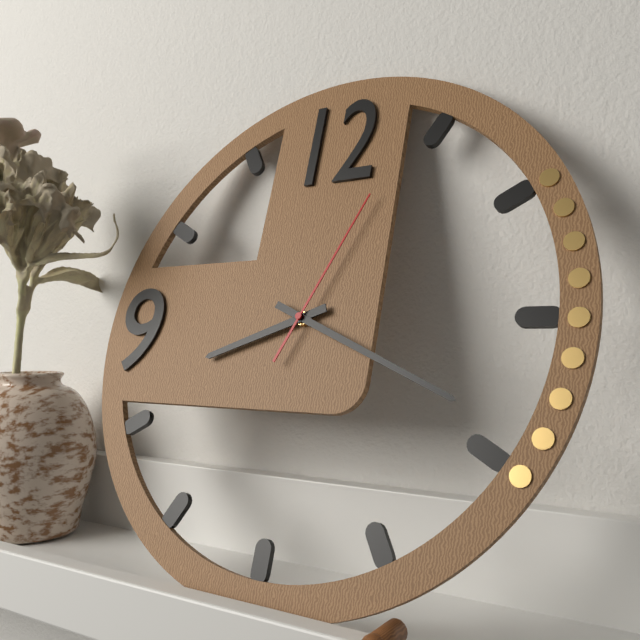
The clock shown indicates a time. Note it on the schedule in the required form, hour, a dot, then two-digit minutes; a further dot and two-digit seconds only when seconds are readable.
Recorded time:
8.19.04
